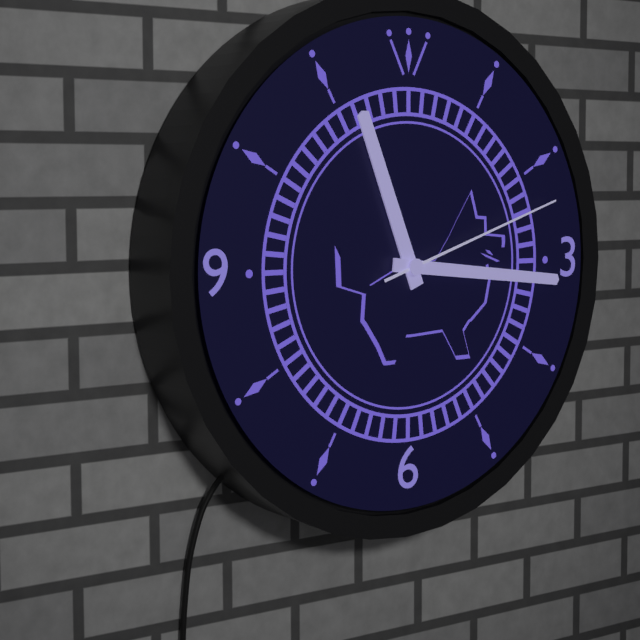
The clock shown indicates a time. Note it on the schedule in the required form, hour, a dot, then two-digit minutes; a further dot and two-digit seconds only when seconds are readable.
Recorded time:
11.16.12
